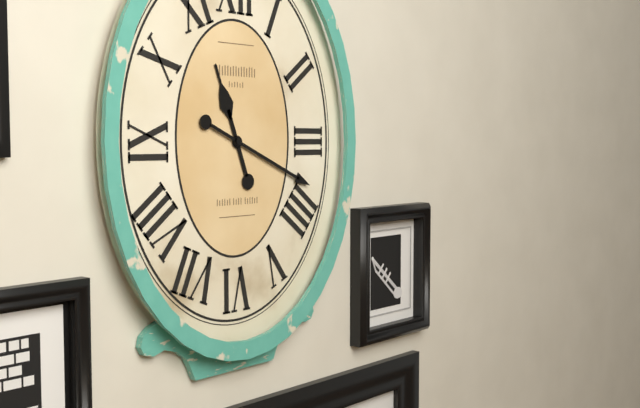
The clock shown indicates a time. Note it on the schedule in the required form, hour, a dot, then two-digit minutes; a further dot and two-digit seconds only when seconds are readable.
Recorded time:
11.19
